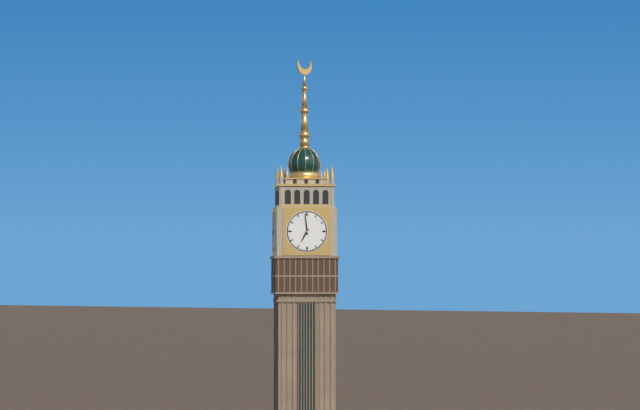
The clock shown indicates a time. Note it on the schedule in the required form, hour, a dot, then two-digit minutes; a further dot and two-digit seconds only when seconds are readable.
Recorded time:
6.59
